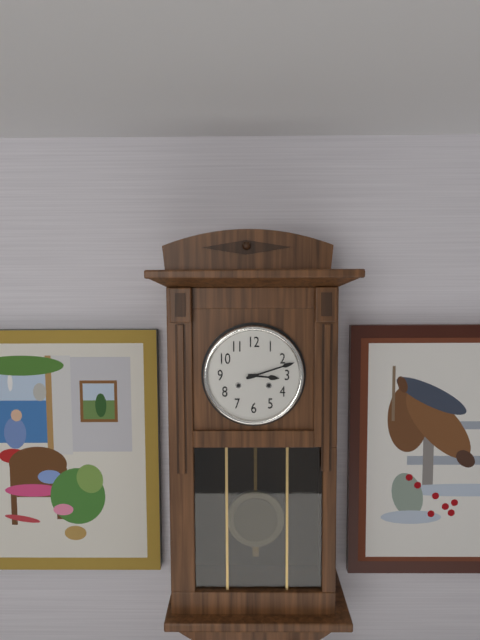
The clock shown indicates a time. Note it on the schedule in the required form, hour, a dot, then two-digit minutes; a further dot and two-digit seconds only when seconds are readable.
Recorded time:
3.12
